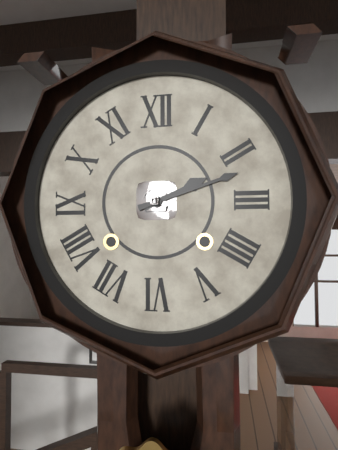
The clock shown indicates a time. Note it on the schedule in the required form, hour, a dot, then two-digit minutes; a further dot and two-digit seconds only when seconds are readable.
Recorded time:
2.12
